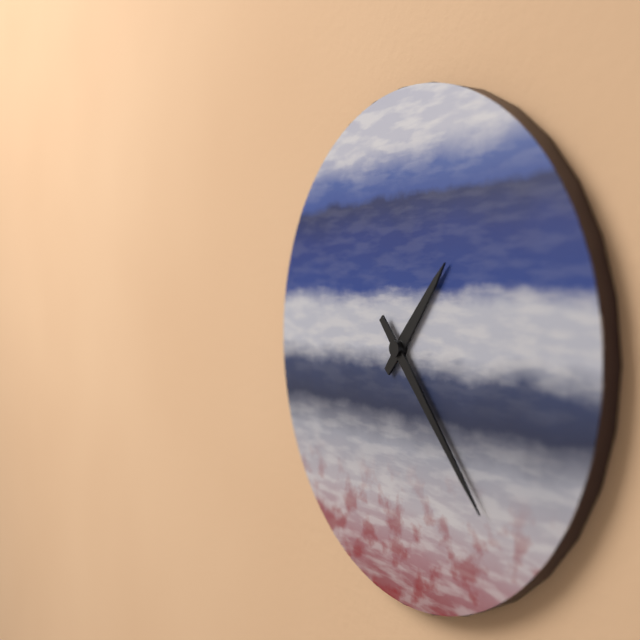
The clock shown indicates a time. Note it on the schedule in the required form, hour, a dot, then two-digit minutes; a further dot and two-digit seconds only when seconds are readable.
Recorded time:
1.23
